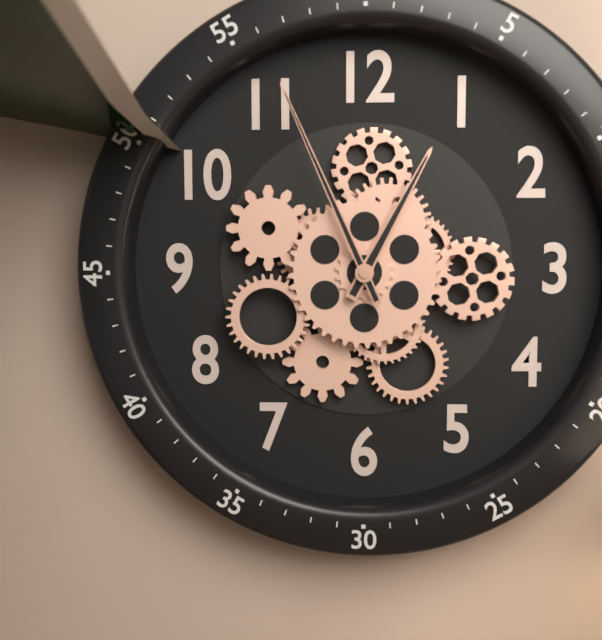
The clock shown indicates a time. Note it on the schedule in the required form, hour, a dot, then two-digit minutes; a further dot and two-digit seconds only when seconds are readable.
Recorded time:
12.56
